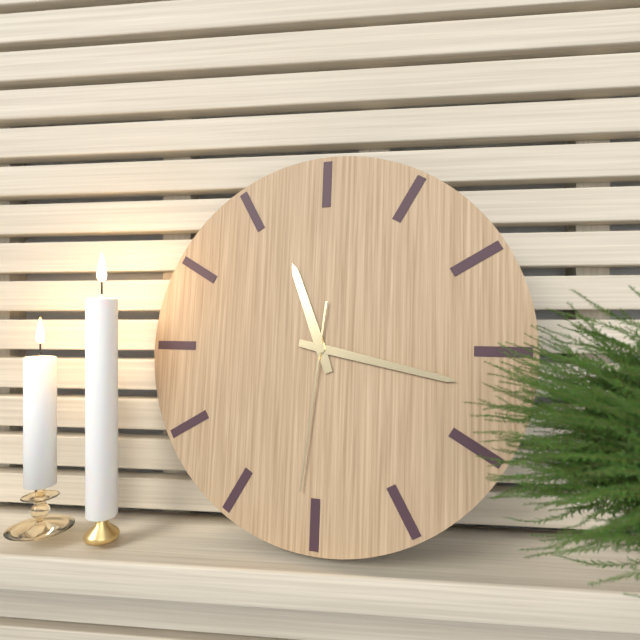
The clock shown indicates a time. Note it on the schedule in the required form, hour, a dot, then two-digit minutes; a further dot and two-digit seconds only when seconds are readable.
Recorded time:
11.17.31
